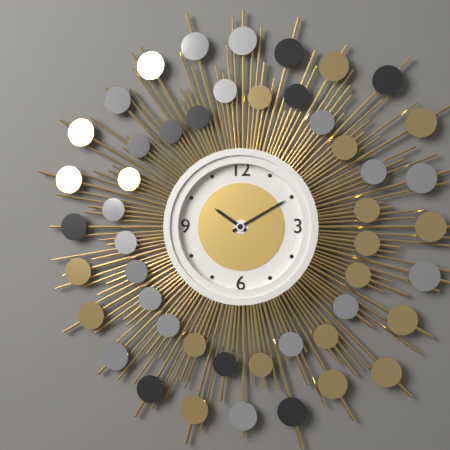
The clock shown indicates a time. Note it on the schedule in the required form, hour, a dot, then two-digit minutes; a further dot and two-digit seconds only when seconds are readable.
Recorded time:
10.10
